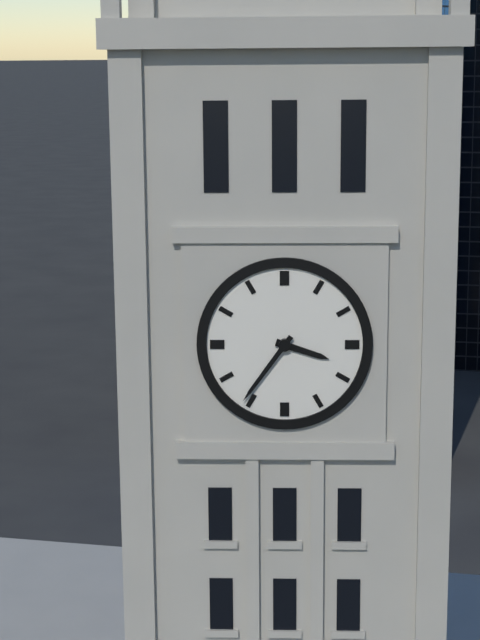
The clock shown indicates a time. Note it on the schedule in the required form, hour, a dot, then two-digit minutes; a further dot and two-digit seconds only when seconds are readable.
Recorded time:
3.36
